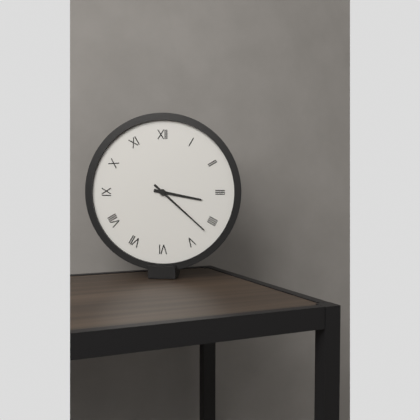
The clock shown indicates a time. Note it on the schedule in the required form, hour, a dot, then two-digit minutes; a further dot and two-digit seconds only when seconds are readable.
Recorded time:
3.22
